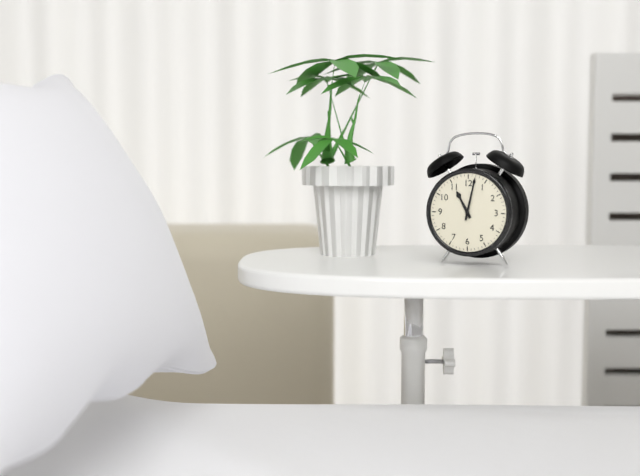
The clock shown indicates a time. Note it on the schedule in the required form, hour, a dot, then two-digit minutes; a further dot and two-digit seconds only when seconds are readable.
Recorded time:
11.02
